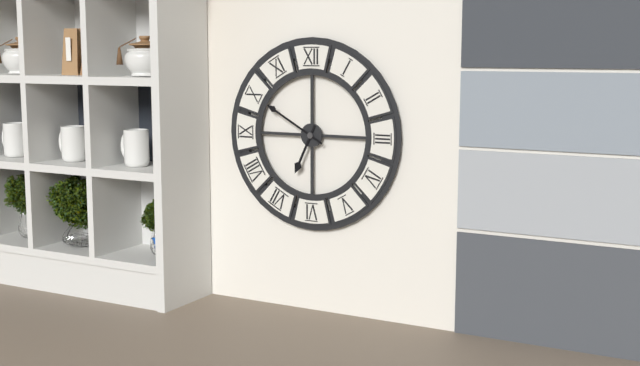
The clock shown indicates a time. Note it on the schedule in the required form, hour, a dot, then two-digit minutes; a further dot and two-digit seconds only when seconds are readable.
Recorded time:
6.50
